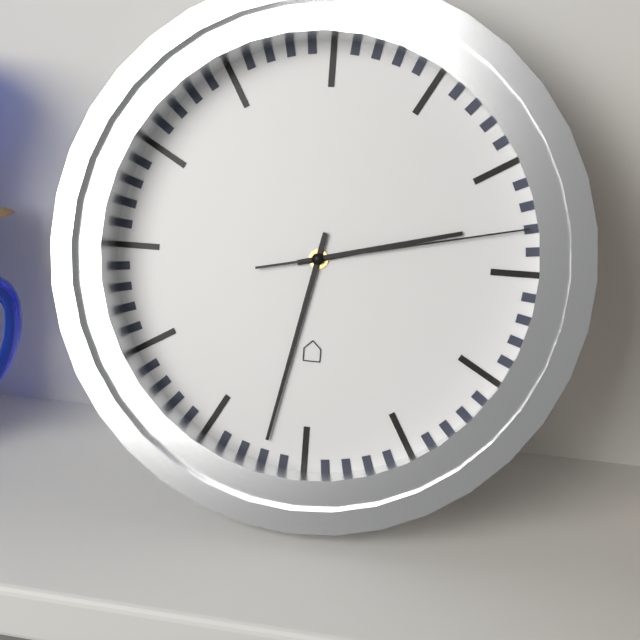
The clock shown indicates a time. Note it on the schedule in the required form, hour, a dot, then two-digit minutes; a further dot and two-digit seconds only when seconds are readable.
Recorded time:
2.32.13
